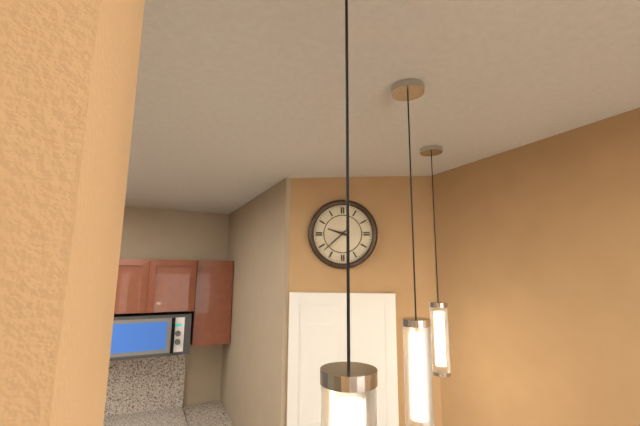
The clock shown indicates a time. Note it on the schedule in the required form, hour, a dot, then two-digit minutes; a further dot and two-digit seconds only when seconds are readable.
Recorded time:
9.38
